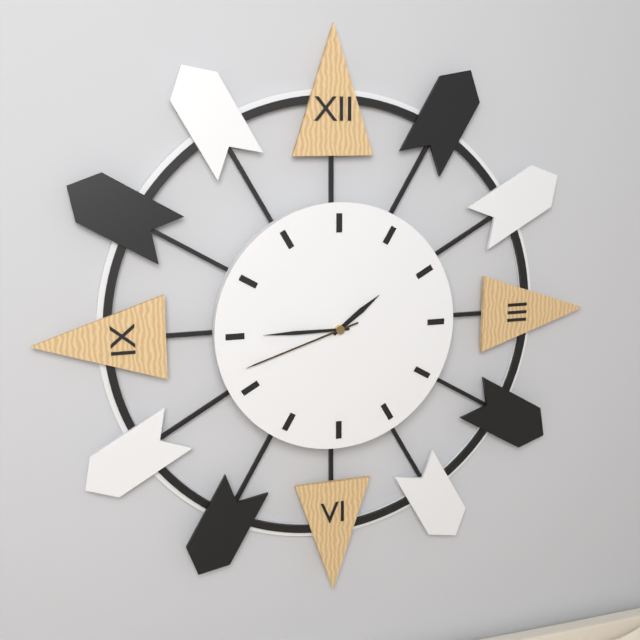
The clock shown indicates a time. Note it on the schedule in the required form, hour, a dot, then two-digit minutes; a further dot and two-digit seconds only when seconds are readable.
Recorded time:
1.45.42
